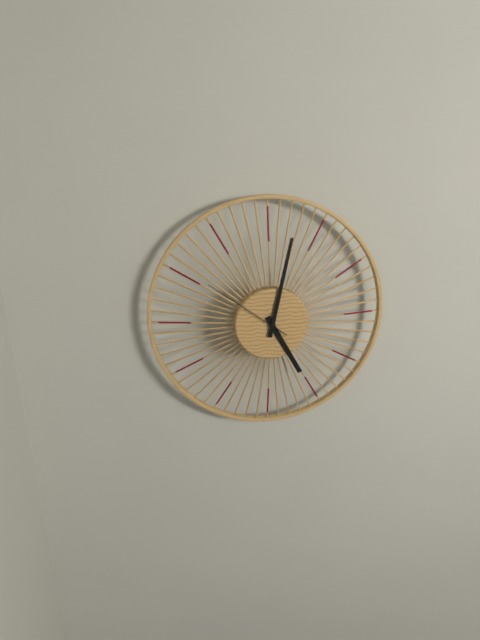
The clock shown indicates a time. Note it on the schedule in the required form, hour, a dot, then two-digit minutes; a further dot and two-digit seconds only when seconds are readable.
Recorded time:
5.02.51
